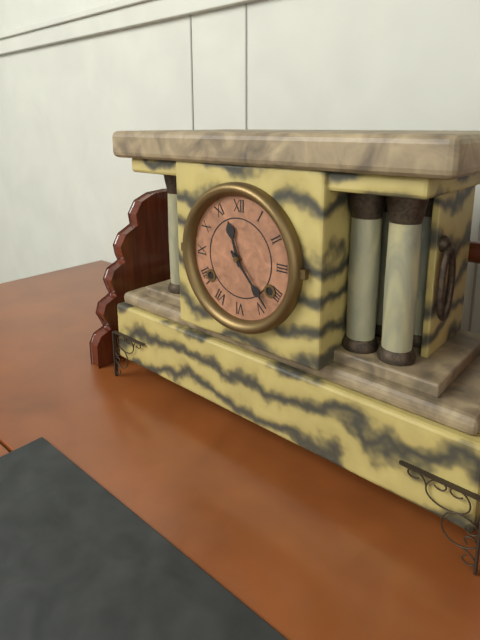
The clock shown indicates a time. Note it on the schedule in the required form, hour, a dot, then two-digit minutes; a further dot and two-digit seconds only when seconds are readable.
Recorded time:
11.23
